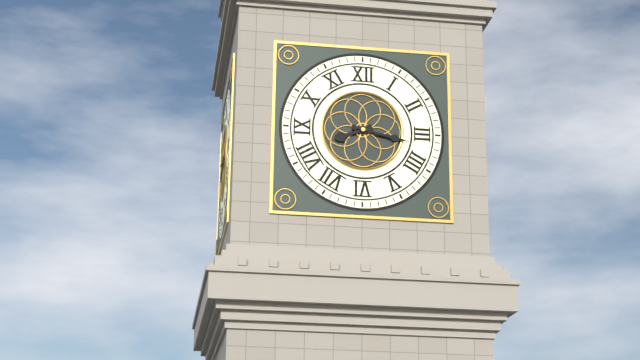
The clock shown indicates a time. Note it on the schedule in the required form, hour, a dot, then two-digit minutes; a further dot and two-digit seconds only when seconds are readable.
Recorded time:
8.17
